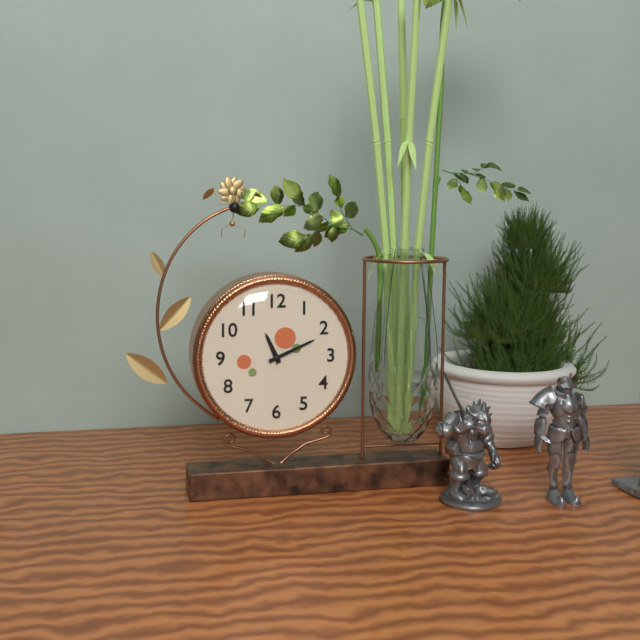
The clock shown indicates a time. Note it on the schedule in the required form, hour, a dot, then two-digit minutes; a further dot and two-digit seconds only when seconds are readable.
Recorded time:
11.11
